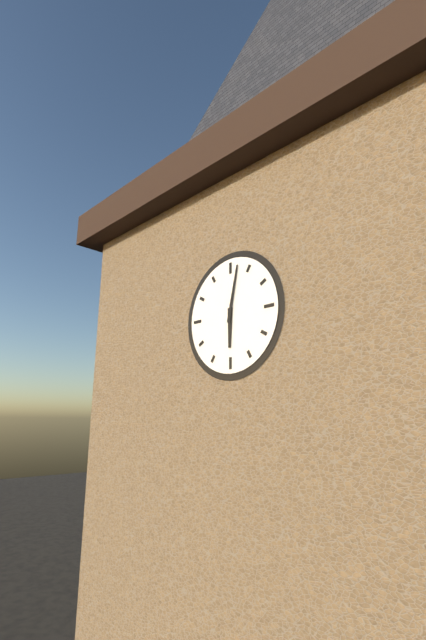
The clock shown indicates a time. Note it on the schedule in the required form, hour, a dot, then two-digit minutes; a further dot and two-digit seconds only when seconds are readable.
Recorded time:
6.02
